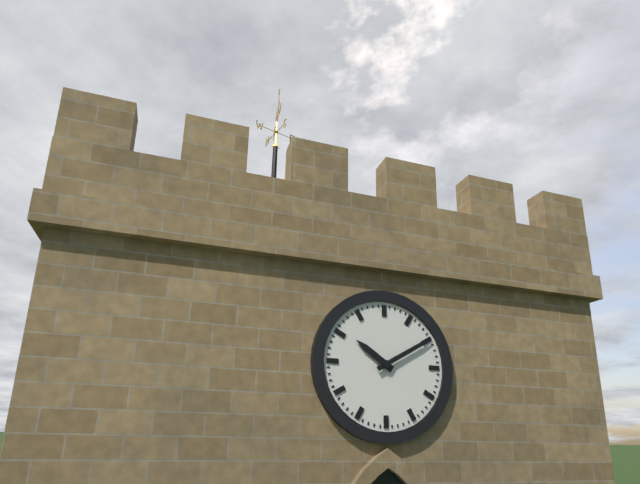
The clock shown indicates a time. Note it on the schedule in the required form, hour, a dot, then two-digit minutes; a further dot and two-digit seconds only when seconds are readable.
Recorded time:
10.10
